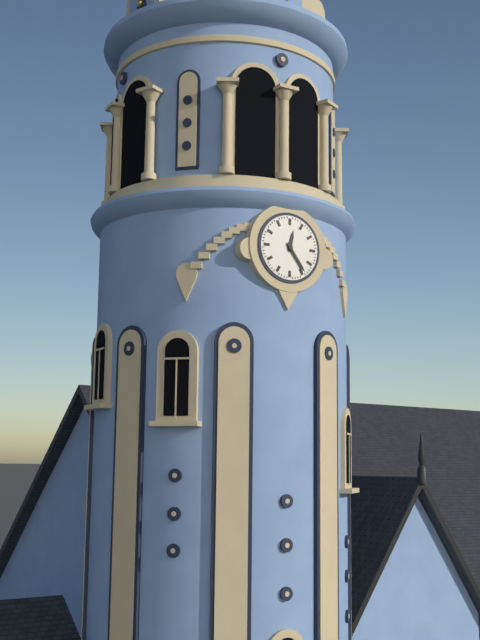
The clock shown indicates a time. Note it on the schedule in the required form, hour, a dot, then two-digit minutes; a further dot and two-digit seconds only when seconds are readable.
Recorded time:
12.24
